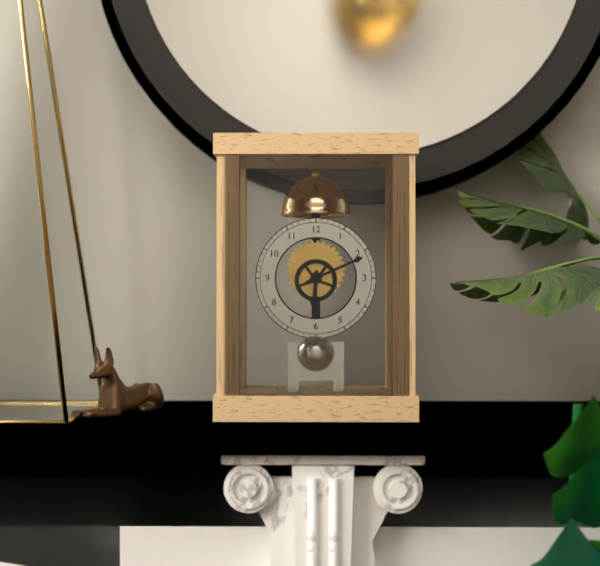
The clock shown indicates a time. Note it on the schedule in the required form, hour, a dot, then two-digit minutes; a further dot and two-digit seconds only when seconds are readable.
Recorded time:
6.11
